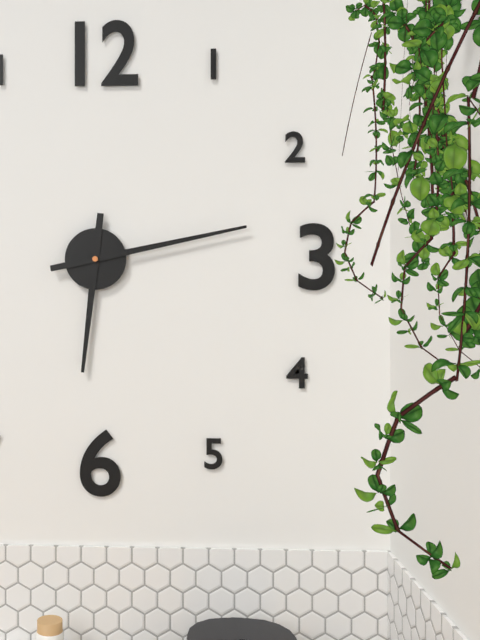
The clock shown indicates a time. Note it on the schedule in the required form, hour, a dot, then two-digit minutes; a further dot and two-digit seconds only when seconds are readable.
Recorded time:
6.13
